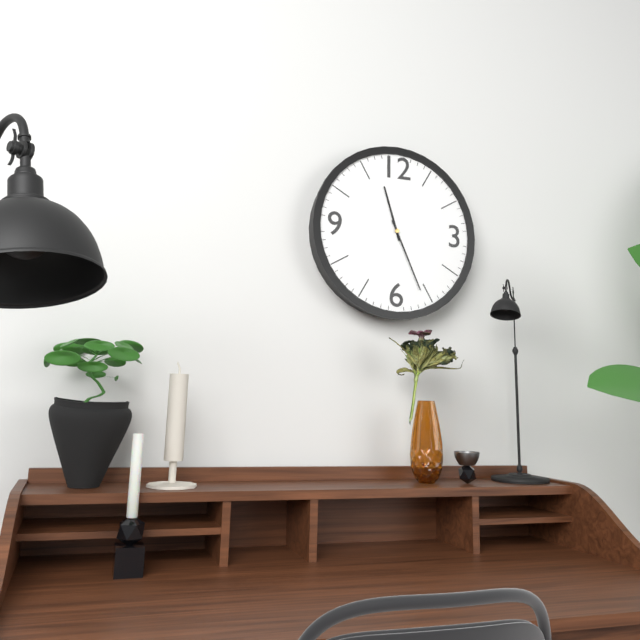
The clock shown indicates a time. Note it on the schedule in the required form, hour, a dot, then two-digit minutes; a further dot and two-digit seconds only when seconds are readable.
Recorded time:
11.26
